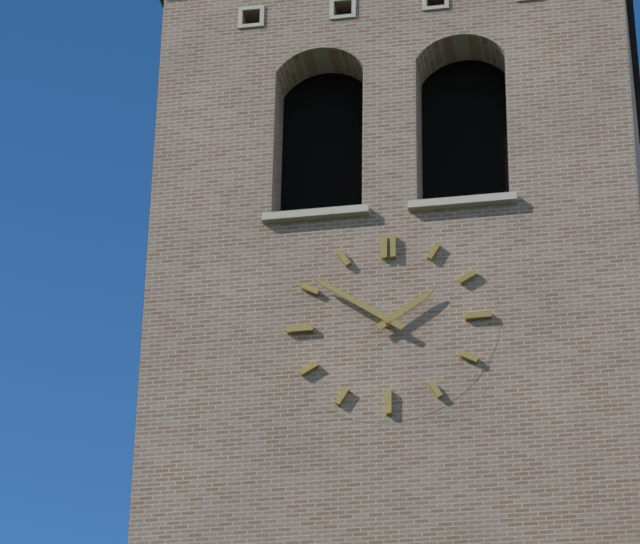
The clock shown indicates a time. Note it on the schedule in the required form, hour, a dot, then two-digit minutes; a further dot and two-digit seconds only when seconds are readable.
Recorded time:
1.51
